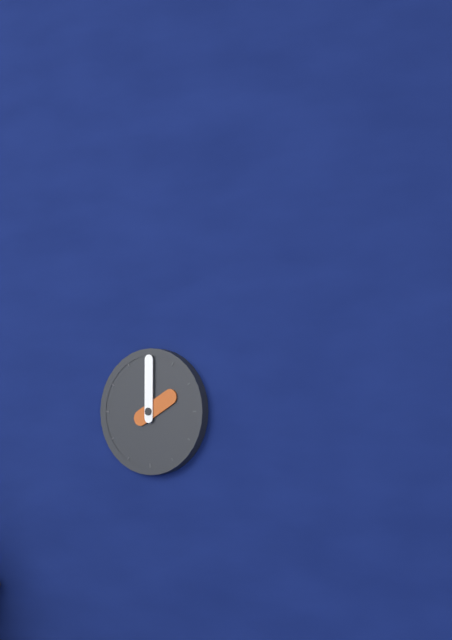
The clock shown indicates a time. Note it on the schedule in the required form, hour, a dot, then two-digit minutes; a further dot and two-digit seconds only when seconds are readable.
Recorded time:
2.00
